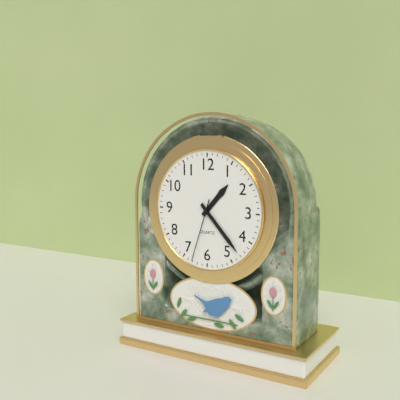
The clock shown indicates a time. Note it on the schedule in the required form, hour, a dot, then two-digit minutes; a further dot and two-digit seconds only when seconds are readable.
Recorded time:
1.23.33
